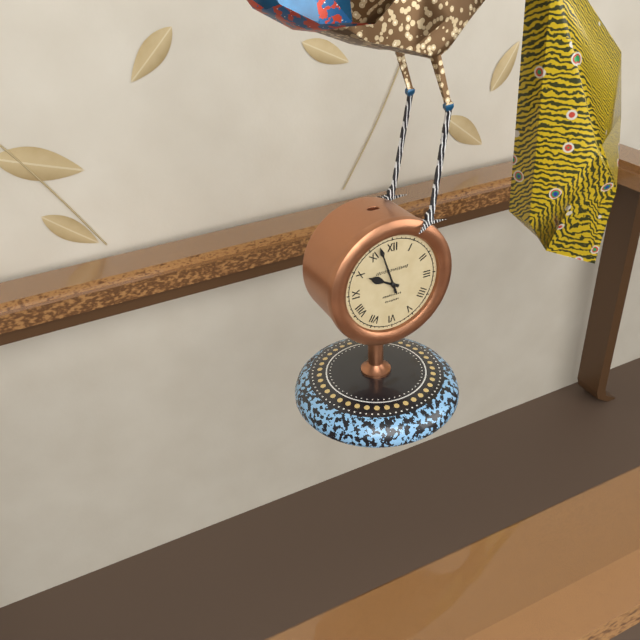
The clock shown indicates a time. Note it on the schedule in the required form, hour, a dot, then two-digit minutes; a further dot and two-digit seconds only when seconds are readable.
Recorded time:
9.57
